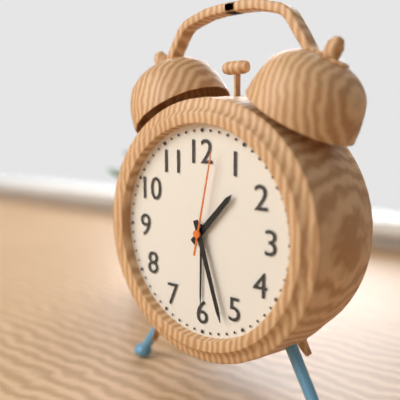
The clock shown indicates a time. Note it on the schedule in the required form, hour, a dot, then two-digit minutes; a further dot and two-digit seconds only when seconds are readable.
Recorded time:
1.27.02
